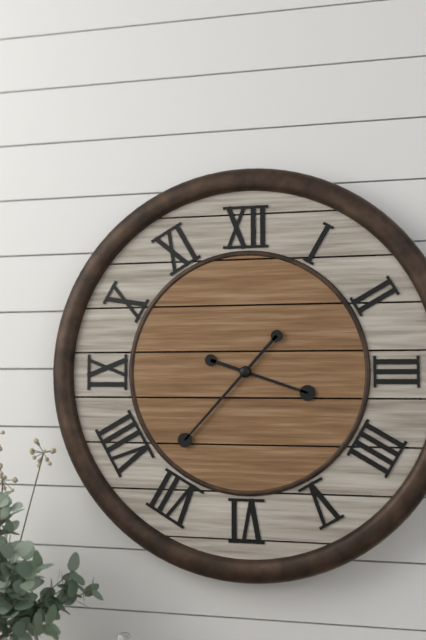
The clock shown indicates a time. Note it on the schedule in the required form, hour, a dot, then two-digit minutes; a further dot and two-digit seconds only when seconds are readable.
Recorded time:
3.37
